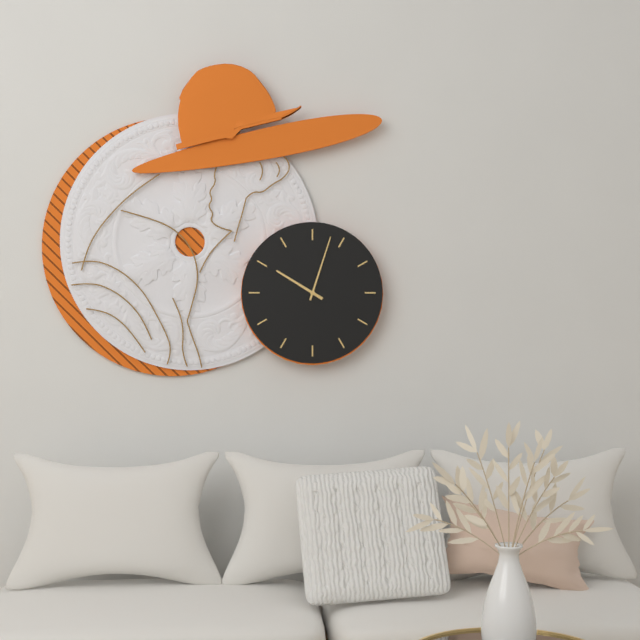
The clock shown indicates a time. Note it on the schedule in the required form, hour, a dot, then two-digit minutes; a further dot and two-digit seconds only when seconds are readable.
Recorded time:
10.03
